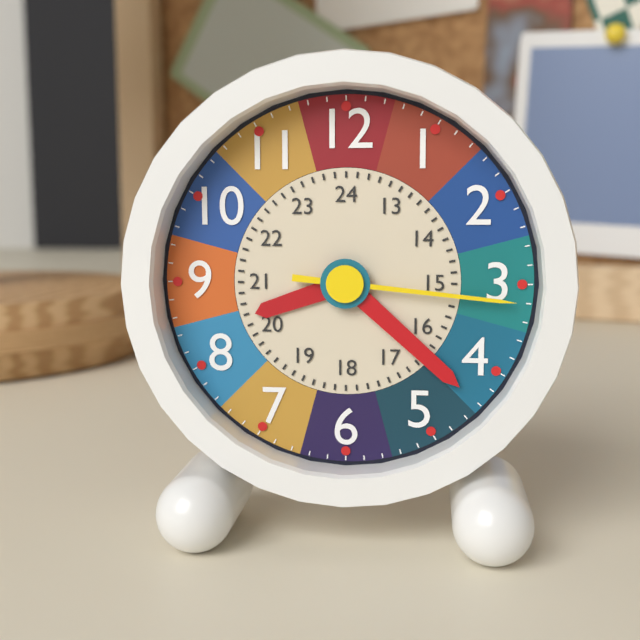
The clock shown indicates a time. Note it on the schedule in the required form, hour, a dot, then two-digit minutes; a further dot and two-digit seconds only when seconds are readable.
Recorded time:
8.22.16
